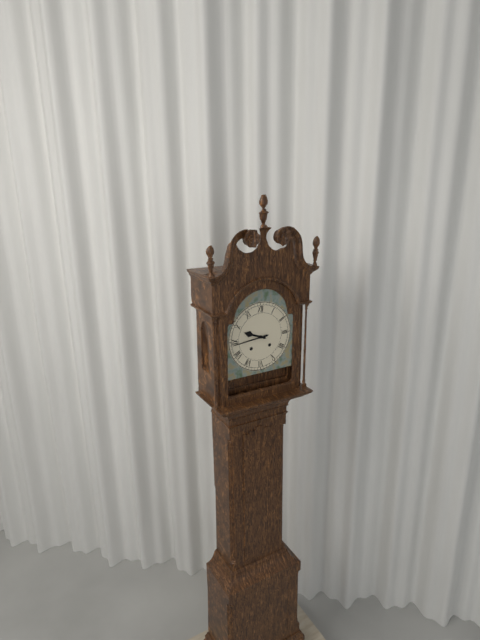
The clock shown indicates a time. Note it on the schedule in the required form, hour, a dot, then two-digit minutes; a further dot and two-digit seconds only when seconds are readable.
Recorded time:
9.44
